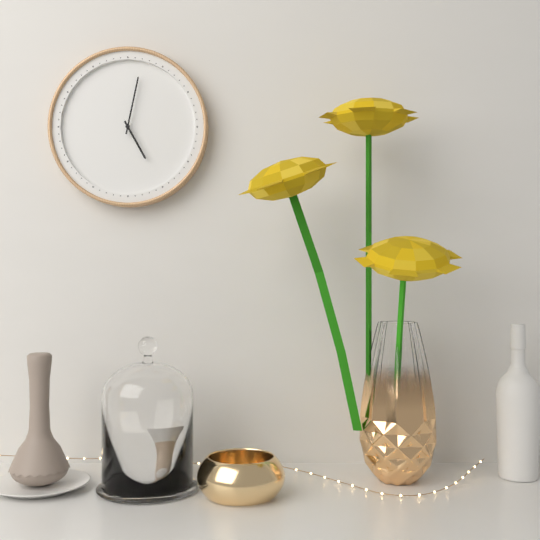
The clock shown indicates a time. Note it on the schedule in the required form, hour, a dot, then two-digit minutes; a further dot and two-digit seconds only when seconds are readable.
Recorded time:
5.02
